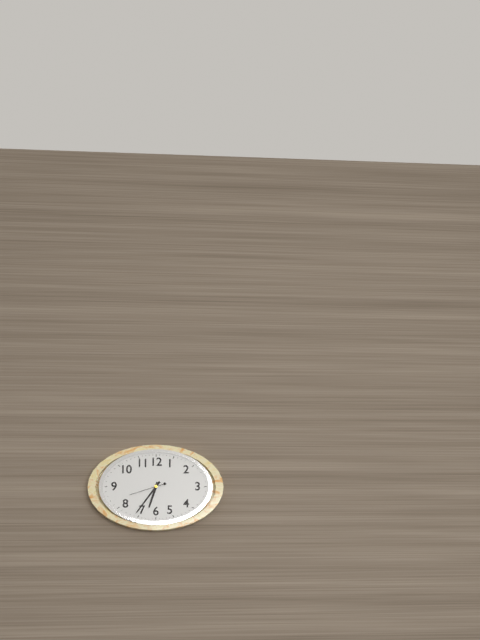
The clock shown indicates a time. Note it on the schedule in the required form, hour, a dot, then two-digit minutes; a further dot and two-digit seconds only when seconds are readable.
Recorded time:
6.36
